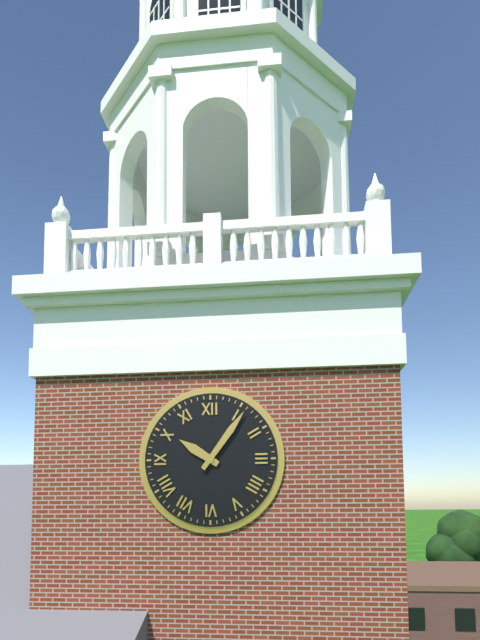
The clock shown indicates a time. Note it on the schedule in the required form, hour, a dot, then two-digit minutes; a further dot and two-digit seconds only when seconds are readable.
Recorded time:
10.06
